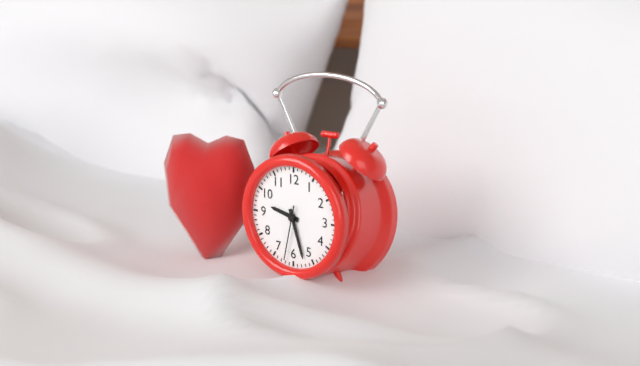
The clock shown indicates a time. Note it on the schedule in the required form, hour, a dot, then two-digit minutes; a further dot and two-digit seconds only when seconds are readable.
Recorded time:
9.27.32
